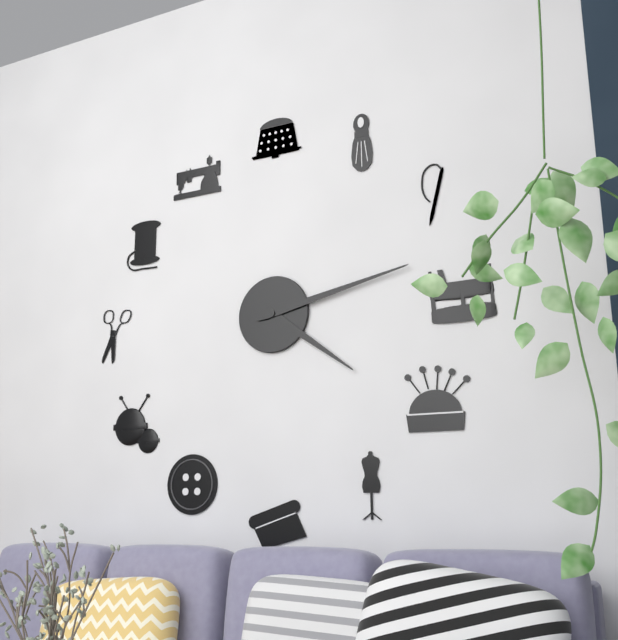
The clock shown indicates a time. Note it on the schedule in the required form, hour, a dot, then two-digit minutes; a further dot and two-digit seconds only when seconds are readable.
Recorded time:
4.13
